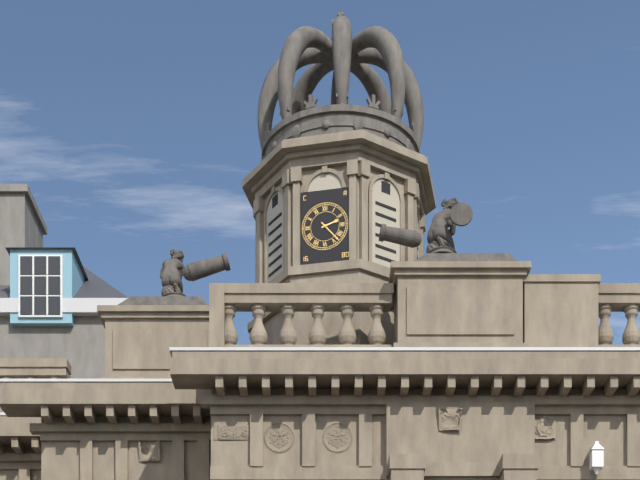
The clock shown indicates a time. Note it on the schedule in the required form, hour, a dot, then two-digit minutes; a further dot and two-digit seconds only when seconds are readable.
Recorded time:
2.23
